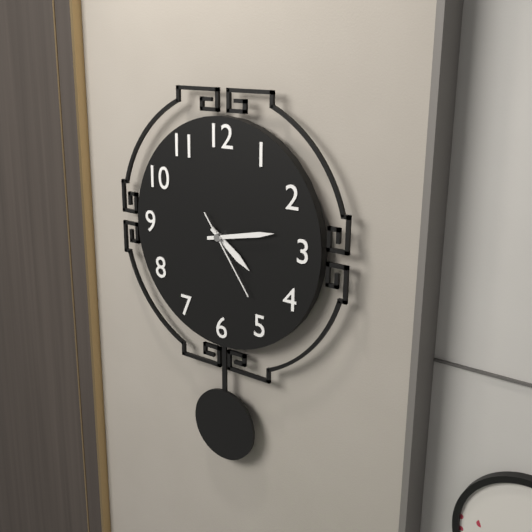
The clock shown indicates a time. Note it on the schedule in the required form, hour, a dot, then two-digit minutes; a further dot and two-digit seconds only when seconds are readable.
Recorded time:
4.13.24
